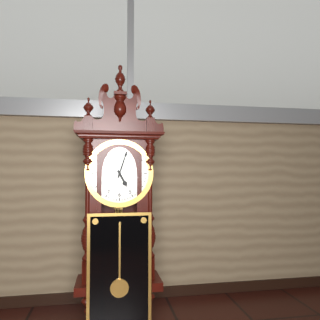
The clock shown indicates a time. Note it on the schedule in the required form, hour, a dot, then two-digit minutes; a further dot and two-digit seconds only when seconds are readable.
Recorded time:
5.03
